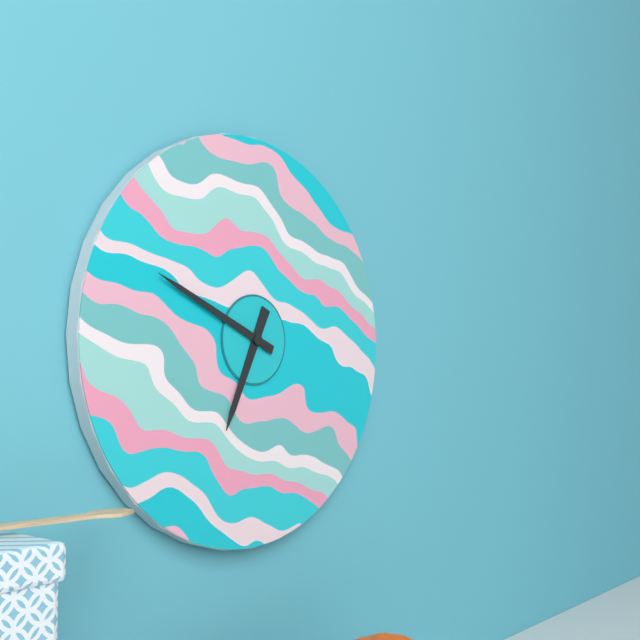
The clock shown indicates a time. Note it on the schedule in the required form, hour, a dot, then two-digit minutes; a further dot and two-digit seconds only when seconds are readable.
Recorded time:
6.49
